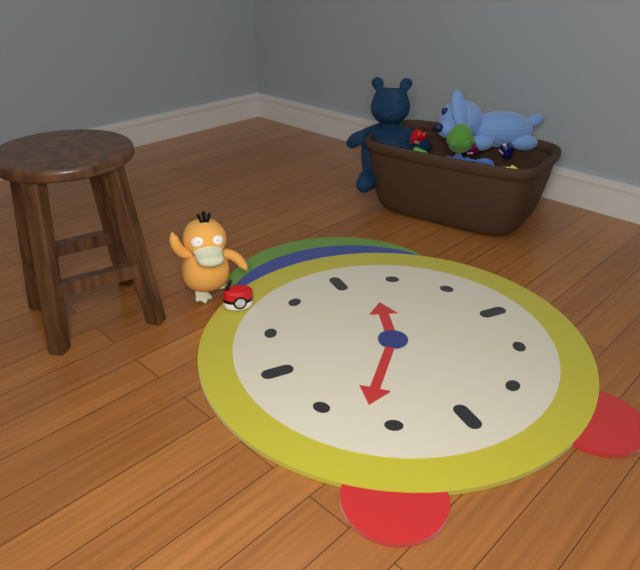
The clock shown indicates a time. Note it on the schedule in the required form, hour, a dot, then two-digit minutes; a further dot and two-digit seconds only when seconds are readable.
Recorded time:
12.37
